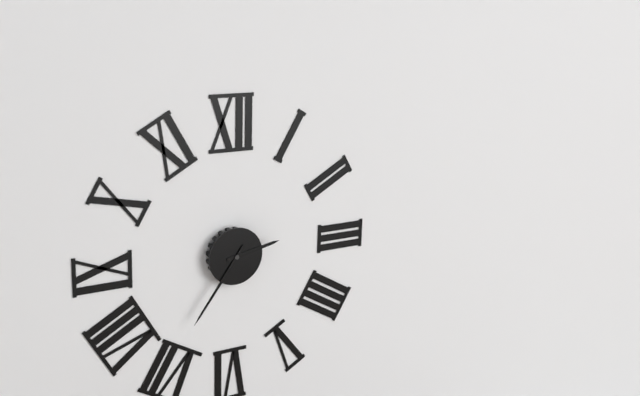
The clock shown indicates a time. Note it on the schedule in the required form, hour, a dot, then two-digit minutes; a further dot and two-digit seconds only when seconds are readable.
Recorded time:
2.36
